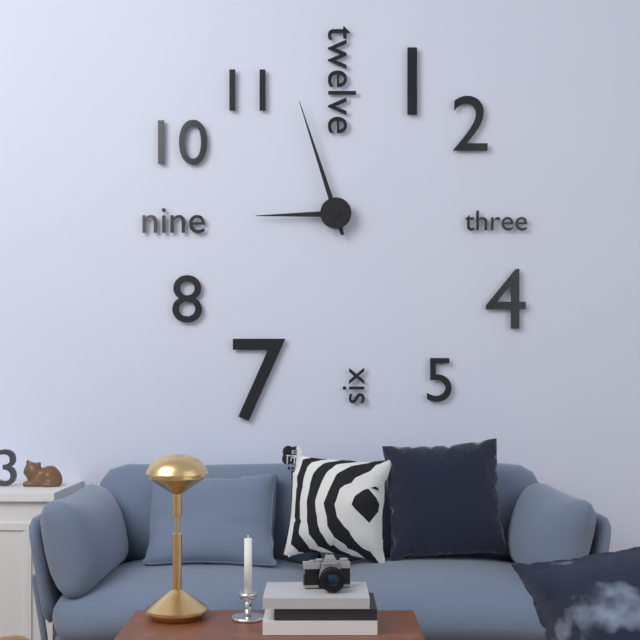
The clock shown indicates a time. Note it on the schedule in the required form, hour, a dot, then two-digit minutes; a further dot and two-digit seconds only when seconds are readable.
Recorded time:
8.57
